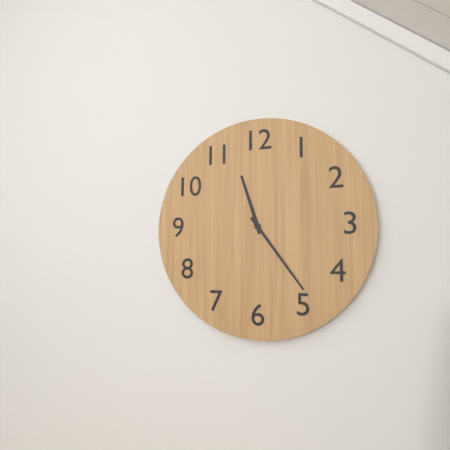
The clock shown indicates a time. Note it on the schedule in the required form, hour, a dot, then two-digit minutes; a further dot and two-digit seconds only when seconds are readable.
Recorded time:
11.24
